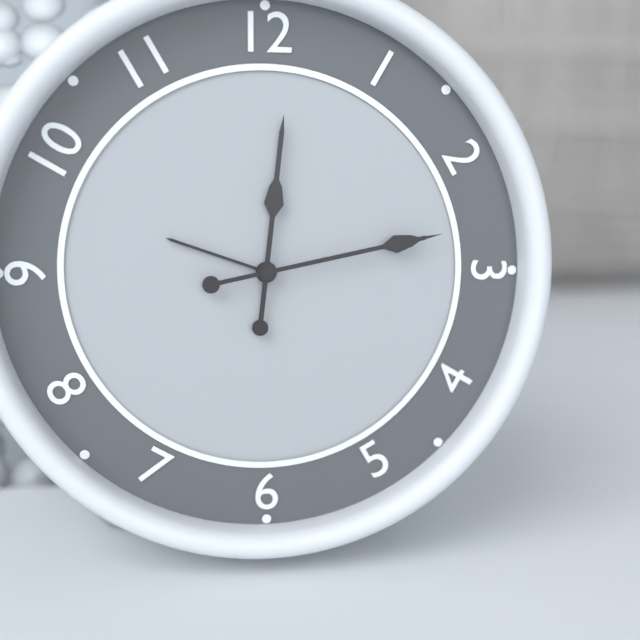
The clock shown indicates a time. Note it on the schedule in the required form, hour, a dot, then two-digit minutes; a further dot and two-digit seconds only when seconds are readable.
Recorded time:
12.13
